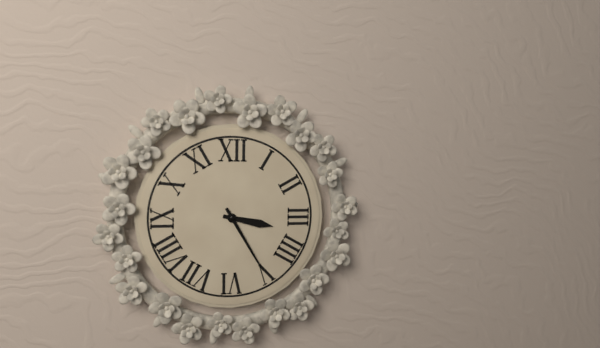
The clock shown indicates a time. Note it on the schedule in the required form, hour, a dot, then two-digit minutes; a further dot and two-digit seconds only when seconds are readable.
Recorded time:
3.25
